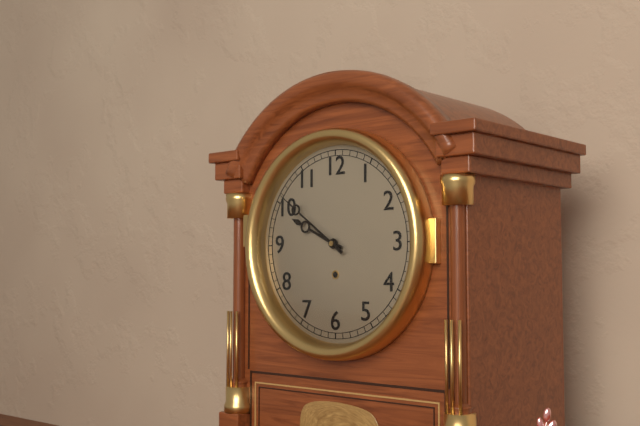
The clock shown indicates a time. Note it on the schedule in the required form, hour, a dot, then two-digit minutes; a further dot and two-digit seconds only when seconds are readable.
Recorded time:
9.51
